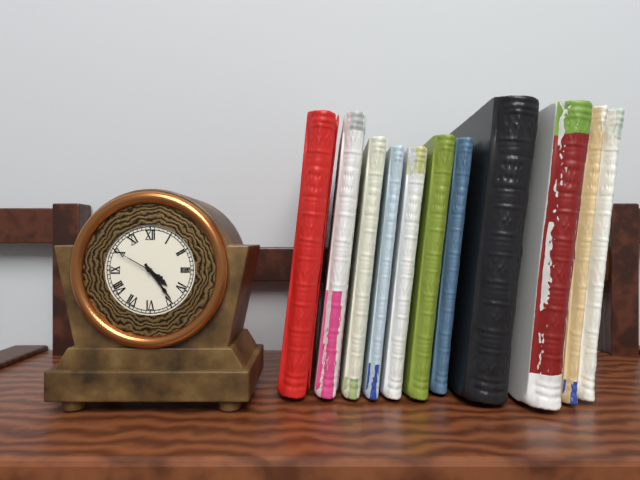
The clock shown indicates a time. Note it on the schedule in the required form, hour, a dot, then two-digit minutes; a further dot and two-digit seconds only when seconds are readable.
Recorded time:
4.24.50
